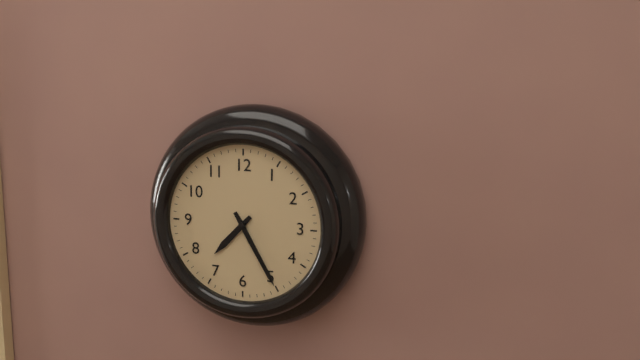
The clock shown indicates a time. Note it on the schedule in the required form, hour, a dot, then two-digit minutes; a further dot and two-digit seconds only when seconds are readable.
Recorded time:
7.25
